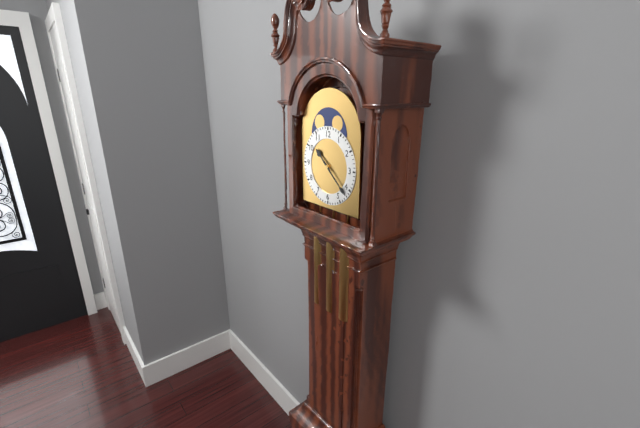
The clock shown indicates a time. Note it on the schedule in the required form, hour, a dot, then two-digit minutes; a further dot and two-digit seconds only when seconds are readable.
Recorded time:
10.22
